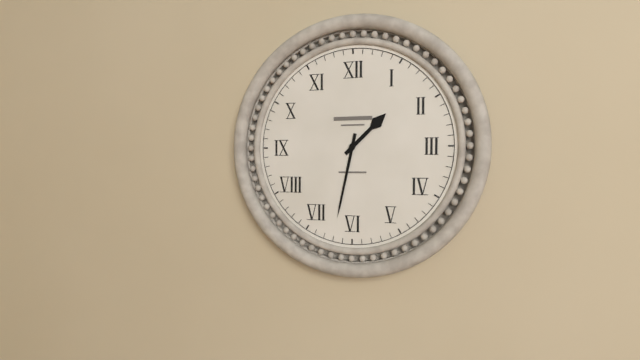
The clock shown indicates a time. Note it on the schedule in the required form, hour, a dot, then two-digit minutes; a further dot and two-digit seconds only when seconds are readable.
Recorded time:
1.32
